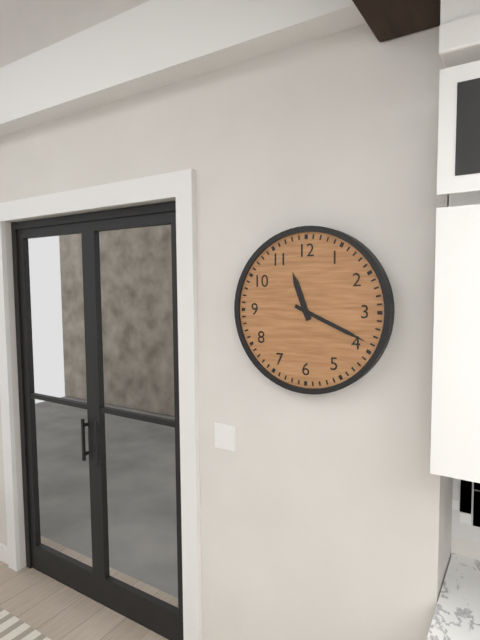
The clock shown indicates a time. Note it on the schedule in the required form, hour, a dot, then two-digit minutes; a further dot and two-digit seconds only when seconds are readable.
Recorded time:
11.19
